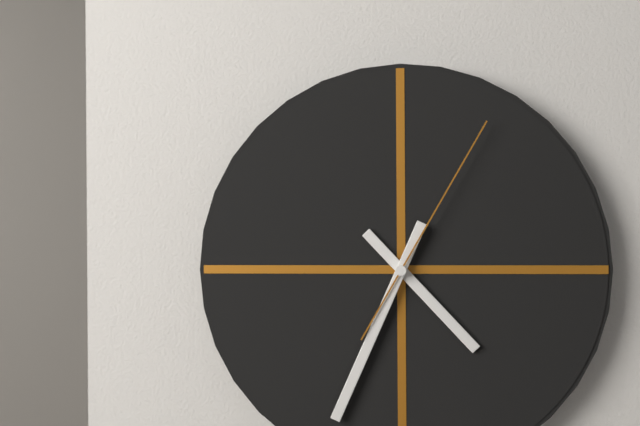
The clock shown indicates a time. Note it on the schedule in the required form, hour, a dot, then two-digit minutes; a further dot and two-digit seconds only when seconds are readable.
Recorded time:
4.34.05
